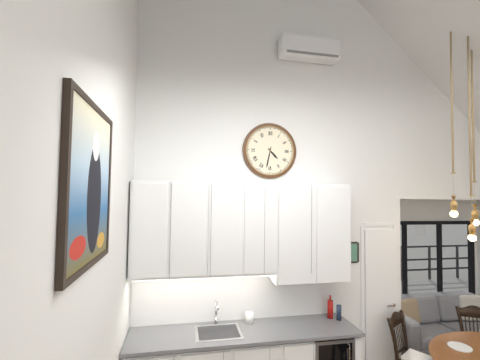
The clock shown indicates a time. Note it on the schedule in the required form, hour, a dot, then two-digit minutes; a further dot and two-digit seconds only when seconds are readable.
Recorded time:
4.32
